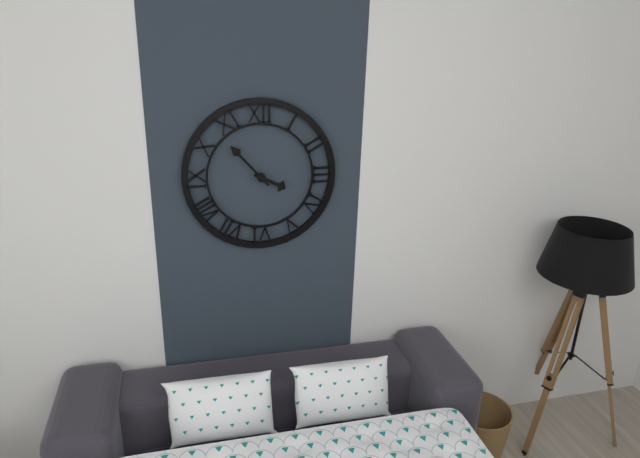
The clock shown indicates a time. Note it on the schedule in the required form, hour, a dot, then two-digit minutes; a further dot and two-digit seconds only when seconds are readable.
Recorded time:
3.53
